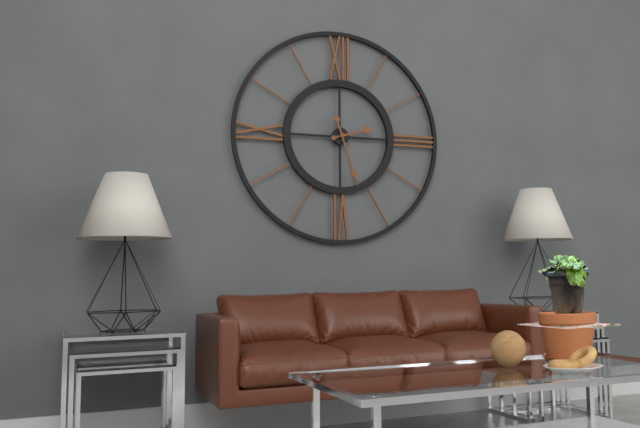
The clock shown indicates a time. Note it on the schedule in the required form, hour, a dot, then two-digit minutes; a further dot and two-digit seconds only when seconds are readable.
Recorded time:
2.27
